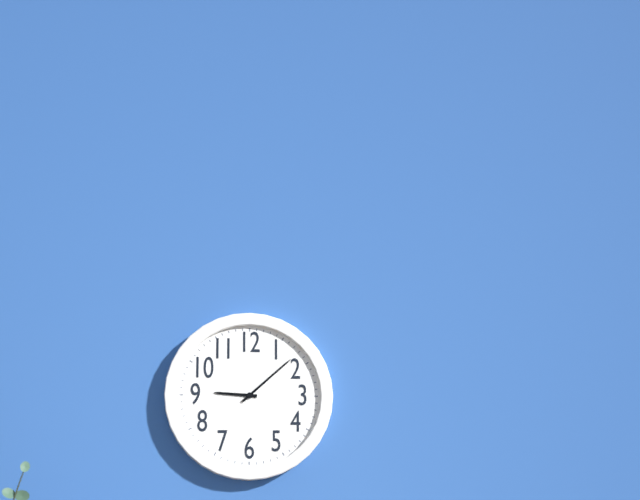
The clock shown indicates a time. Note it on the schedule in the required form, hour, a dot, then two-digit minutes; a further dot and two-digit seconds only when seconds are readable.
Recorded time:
9.08
